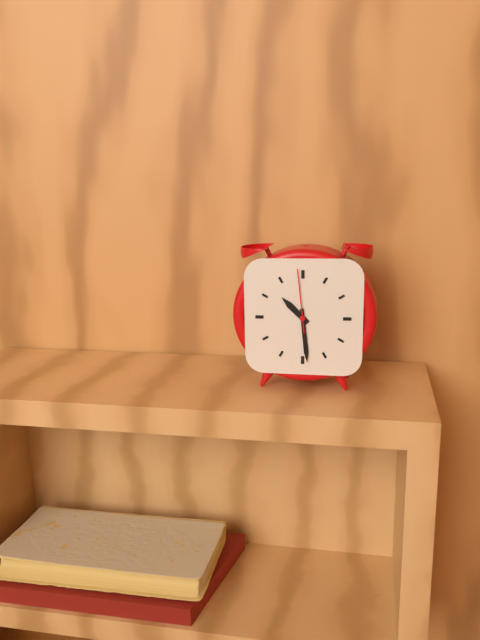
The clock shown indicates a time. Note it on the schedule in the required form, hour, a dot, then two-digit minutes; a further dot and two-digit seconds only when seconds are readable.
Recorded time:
10.29.59
